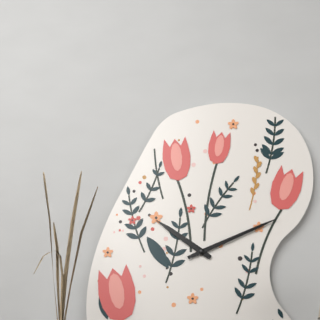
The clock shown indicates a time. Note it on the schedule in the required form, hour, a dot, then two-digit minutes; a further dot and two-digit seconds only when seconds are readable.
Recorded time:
10.11
